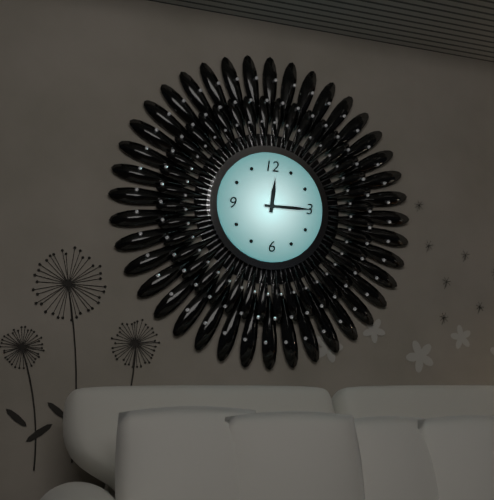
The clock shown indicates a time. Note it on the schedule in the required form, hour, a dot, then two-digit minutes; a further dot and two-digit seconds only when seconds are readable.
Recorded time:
12.15
